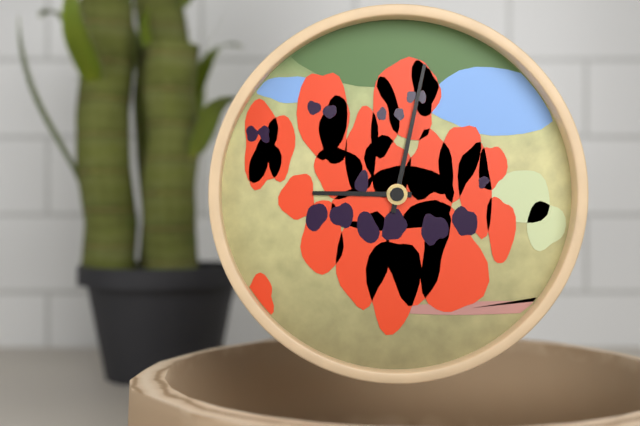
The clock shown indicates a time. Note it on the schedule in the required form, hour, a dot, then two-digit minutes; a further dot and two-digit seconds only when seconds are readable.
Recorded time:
9.02
